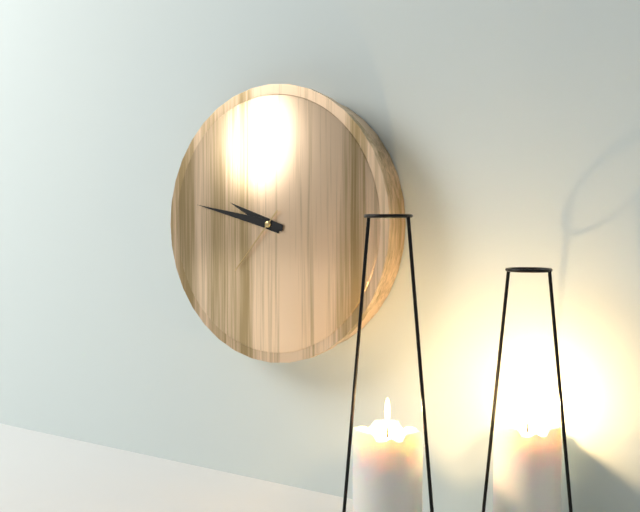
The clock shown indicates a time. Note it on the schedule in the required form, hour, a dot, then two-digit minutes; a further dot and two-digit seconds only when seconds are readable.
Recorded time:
9.47.37
